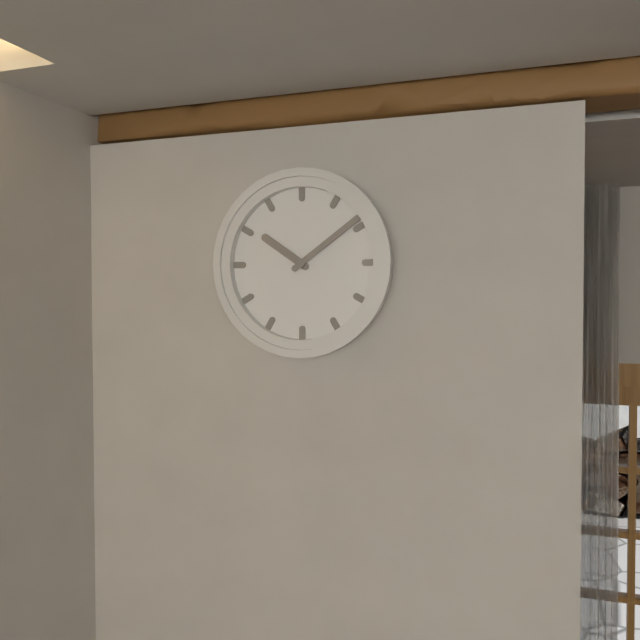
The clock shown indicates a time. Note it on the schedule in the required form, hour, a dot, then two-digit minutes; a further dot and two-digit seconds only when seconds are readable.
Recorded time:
10.09
